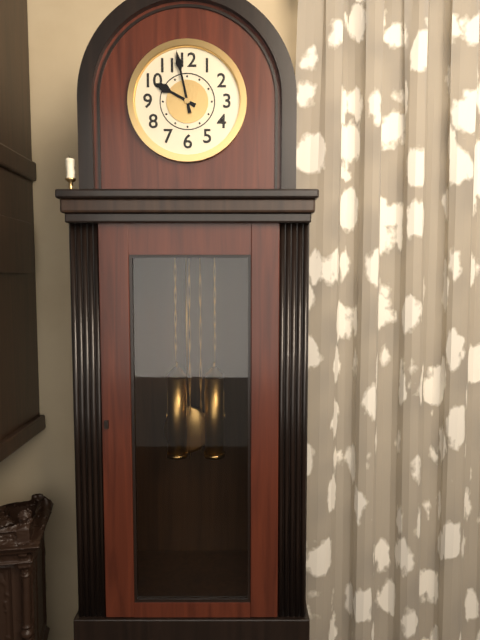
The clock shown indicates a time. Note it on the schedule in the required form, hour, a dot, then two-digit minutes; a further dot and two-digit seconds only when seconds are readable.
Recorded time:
9.58
